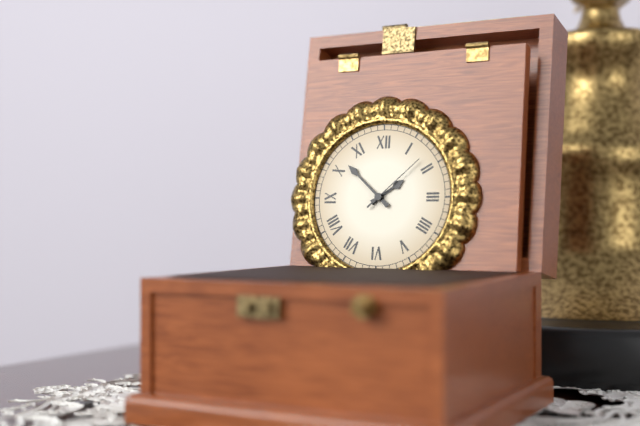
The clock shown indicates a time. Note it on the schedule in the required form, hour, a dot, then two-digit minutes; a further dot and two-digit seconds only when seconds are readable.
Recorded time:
1.52.08
